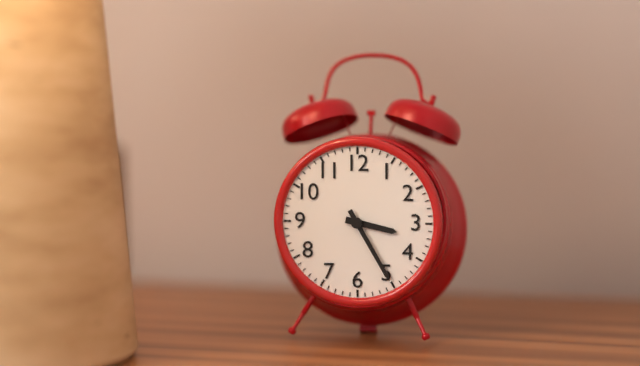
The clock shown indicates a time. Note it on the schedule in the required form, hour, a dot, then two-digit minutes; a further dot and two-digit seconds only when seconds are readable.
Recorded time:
3.25
